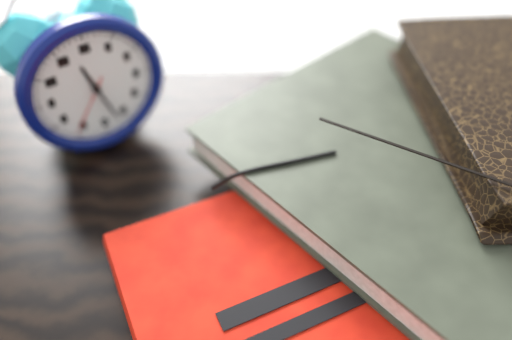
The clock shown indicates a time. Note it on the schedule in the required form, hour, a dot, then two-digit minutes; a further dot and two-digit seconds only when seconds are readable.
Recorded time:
11.27.36
